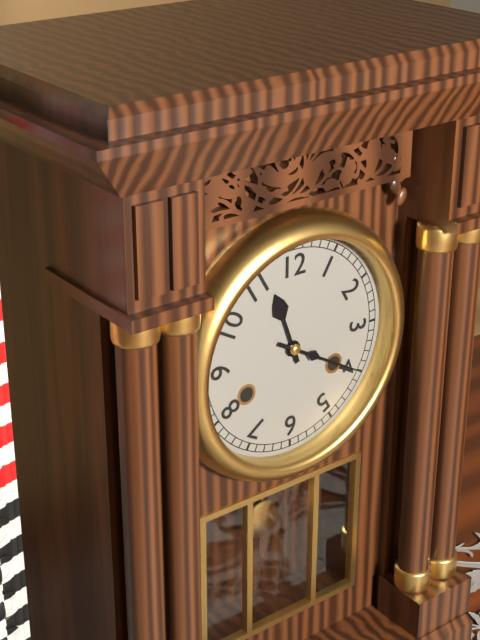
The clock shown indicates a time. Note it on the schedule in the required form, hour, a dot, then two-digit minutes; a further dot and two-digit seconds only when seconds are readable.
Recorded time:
11.20
